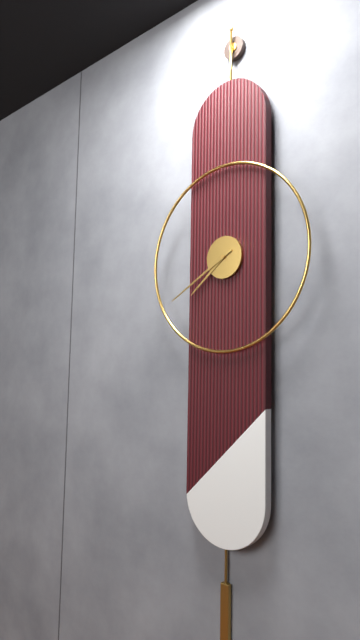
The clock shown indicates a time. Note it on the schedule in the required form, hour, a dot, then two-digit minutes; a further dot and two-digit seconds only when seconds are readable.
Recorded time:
7.40
